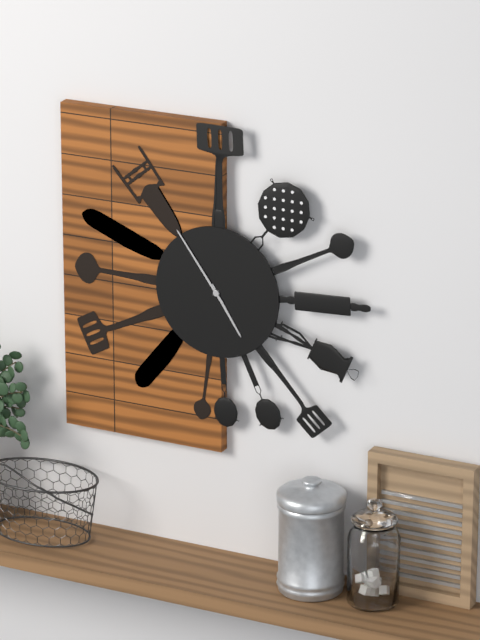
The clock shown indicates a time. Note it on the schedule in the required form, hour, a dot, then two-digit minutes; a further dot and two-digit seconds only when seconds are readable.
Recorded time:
4.54
